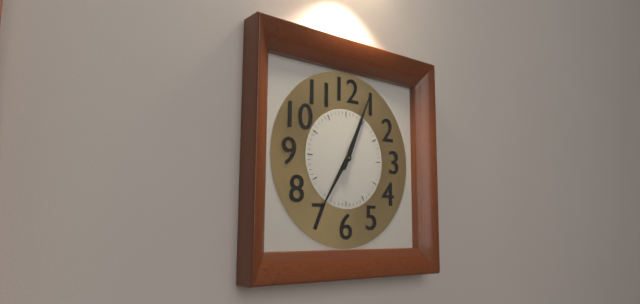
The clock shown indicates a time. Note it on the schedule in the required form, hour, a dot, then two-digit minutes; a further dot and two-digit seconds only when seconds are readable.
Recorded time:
7.04
